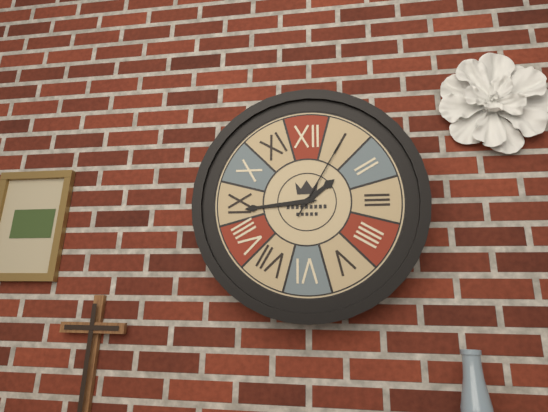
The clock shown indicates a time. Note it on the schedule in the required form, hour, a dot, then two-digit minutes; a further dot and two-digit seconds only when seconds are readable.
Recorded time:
1.44.05
